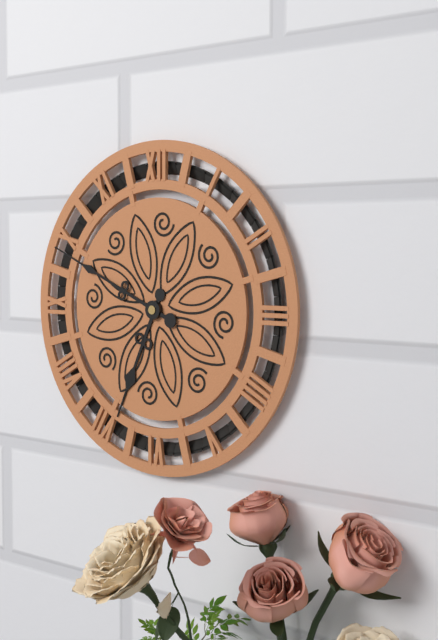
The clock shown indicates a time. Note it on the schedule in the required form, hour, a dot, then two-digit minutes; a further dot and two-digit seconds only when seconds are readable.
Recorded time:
6.49
